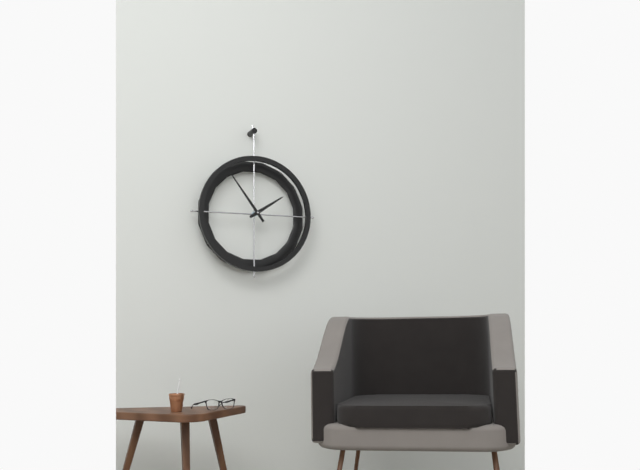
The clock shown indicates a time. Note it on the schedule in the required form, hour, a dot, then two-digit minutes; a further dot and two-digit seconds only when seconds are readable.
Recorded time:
1.54
